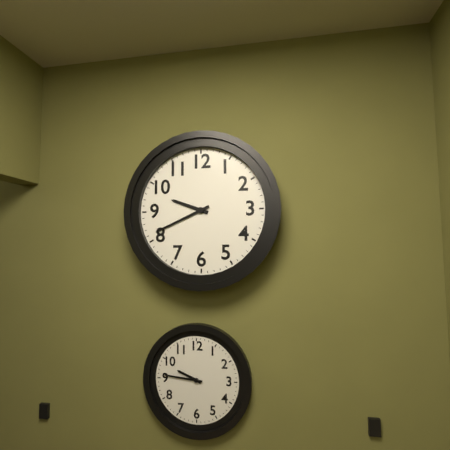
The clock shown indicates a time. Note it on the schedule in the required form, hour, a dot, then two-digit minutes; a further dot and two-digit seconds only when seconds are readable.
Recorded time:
9.41
